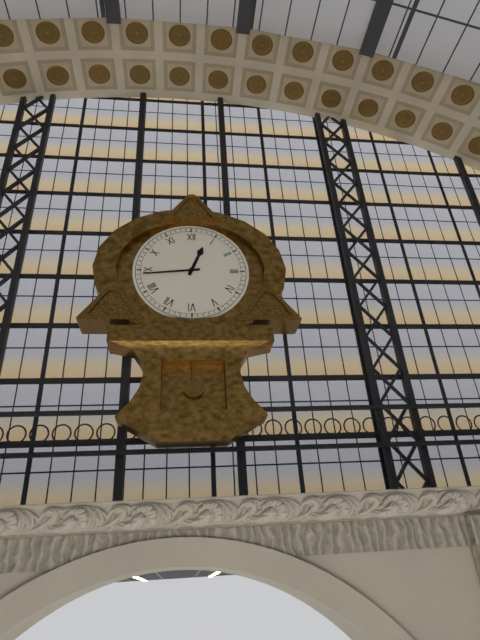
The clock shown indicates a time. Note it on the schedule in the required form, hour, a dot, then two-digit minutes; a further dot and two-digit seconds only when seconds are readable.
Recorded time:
12.44
